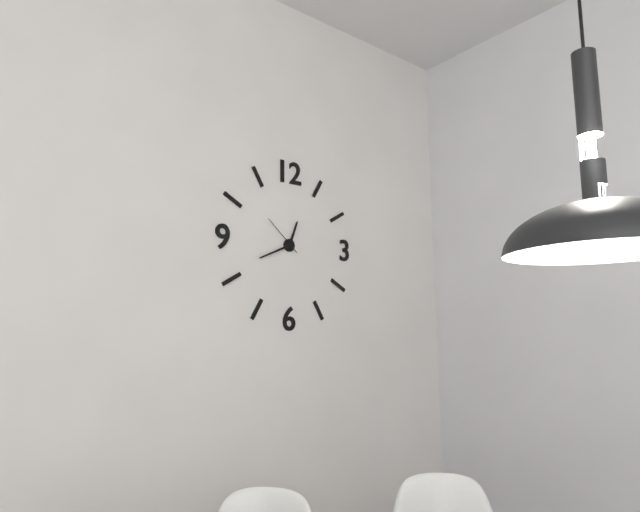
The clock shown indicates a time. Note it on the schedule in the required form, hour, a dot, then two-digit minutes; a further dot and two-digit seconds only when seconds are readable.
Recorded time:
12.41
